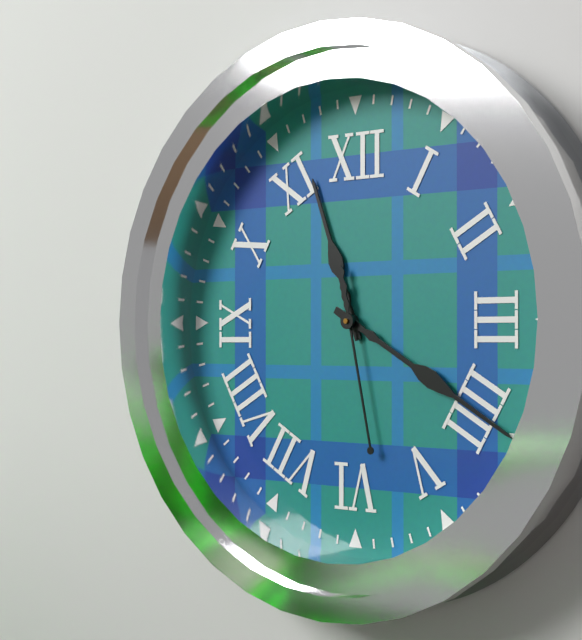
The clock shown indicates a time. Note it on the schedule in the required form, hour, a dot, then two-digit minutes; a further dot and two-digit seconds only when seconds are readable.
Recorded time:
11.20.28
